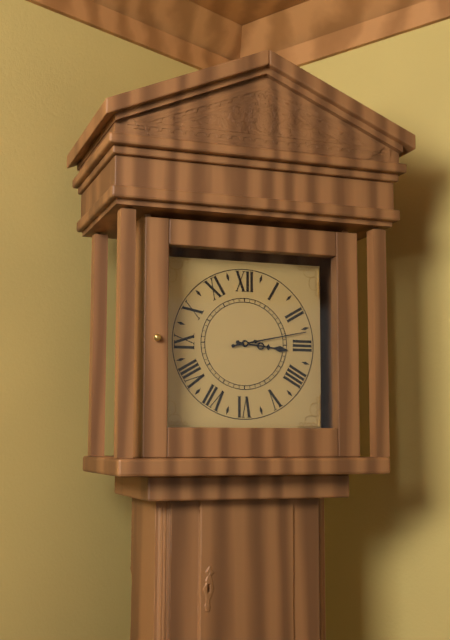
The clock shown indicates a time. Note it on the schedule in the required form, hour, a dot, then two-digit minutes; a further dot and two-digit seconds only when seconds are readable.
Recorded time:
3.13
